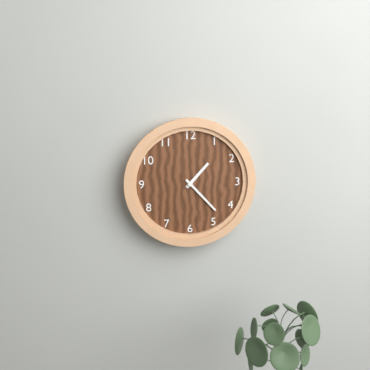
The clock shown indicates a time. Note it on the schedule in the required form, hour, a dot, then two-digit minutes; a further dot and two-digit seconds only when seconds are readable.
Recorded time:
1.23
